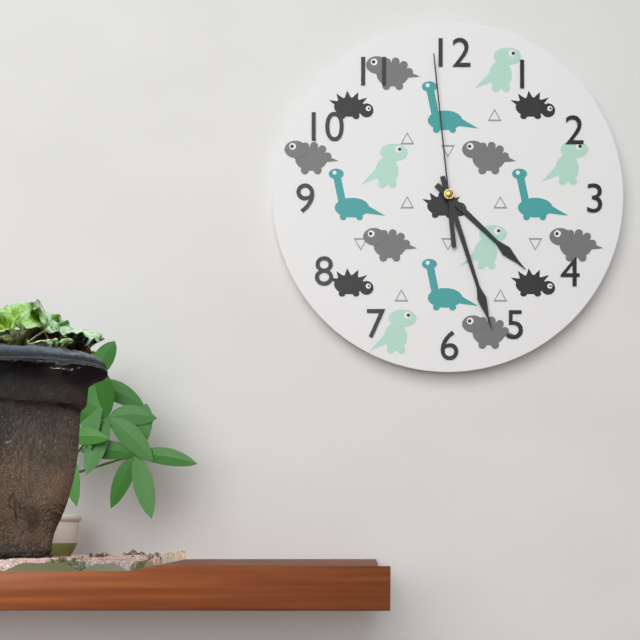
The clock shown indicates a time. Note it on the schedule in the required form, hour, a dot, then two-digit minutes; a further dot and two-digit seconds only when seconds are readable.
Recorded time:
4.27.59
